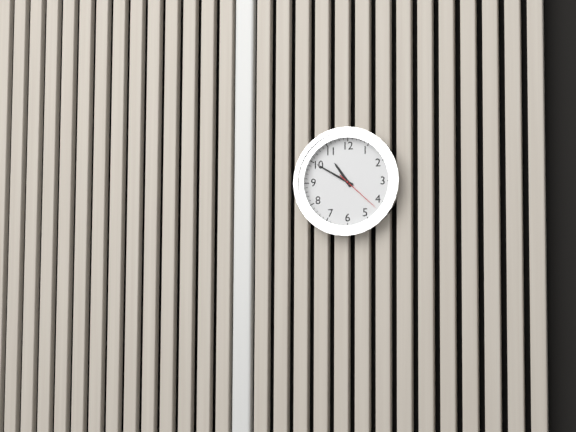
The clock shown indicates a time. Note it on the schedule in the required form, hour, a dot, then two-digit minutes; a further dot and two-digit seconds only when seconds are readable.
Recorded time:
10.50
